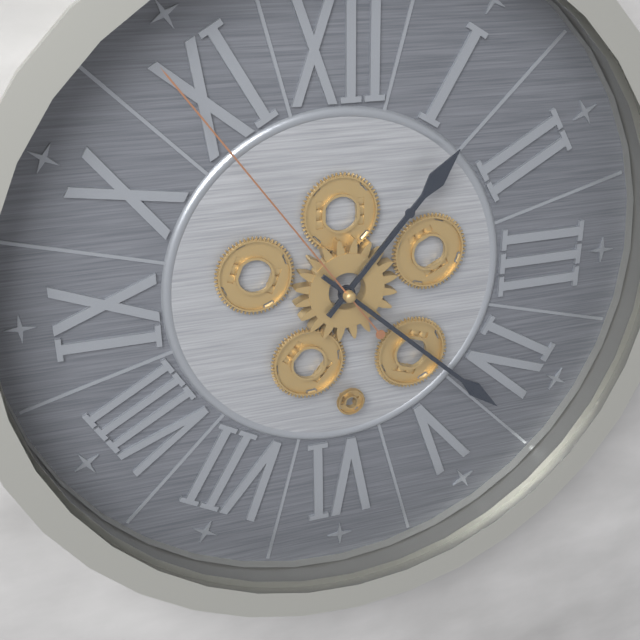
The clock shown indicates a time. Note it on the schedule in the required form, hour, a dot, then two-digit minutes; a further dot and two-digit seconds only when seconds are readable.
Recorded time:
1.22.54
